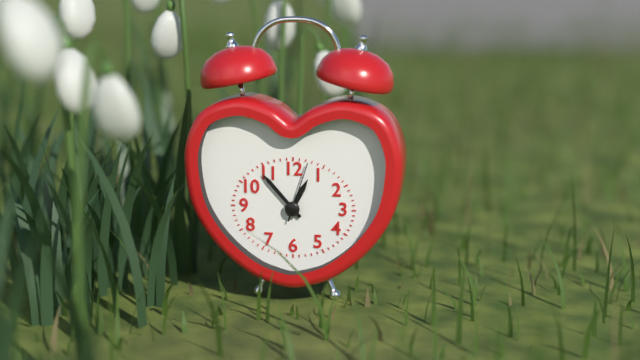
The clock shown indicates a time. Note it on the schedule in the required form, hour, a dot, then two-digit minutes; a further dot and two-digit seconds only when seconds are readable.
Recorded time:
12.53.03
